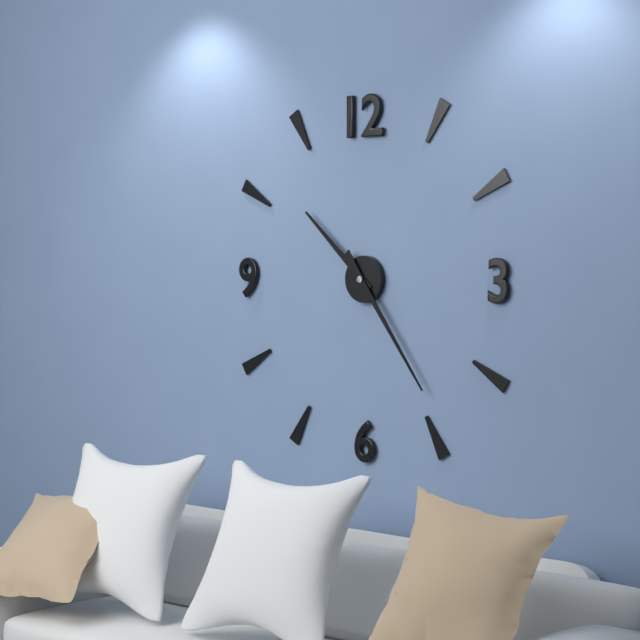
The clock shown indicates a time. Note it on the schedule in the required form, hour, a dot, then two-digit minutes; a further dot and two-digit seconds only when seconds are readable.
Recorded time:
10.24
